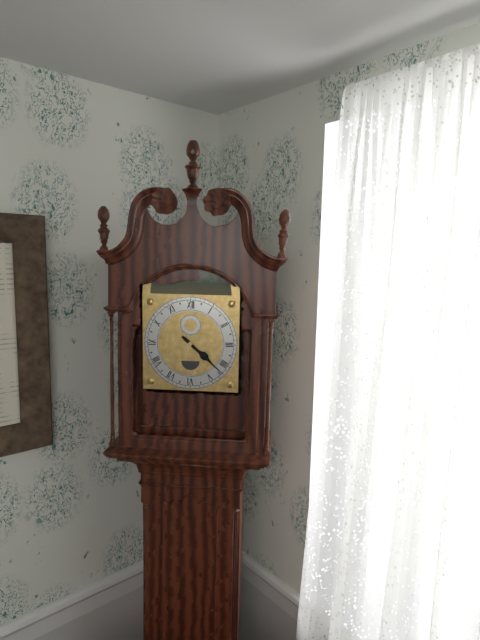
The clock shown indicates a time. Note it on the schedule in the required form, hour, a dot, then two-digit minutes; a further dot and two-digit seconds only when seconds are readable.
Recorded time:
4.22
